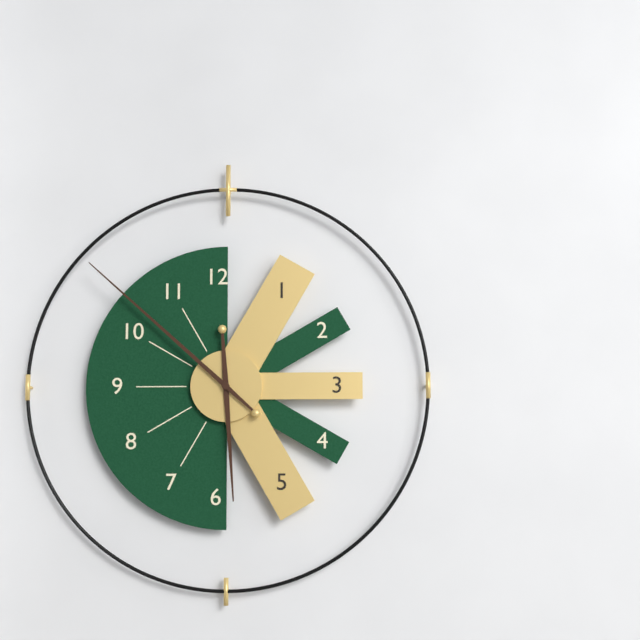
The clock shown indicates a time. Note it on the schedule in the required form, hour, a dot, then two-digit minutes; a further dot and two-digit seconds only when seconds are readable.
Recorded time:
5.52
